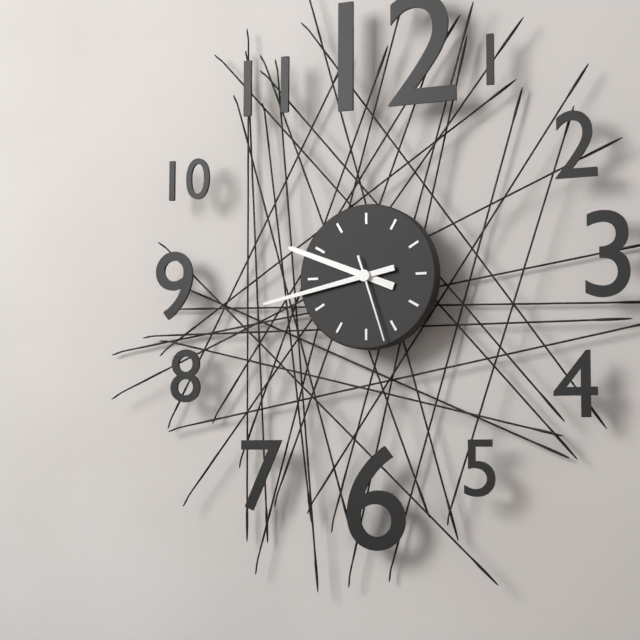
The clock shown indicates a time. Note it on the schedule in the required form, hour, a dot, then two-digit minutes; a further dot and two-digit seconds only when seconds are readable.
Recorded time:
9.43.27
